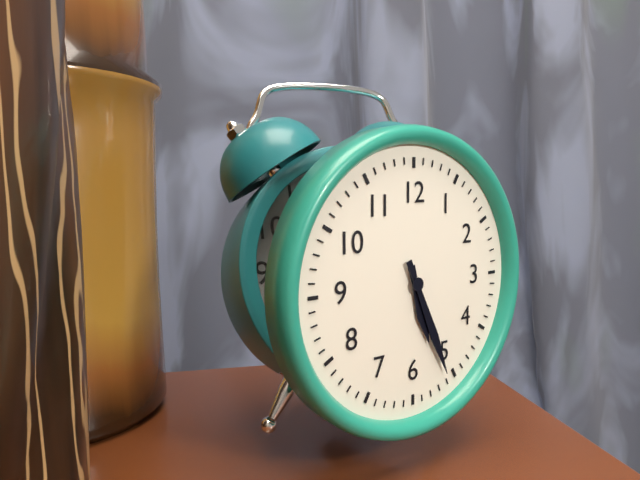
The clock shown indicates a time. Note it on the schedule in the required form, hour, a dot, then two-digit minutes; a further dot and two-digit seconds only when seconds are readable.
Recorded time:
5.26
